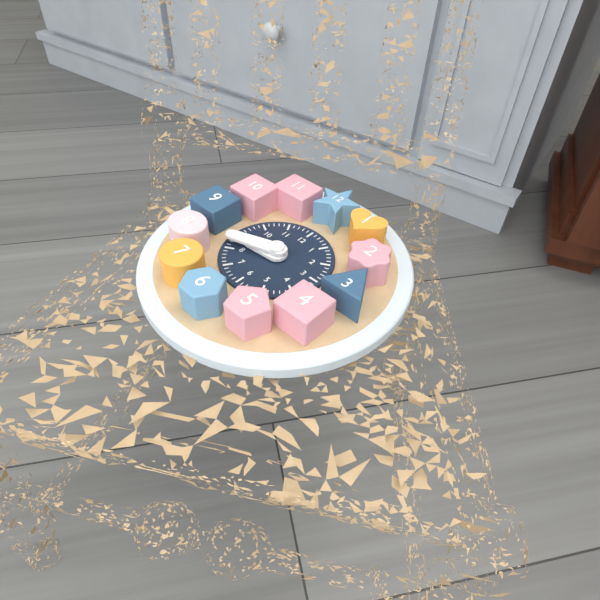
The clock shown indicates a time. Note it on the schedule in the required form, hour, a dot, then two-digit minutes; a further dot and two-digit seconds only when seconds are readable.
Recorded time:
8.42
